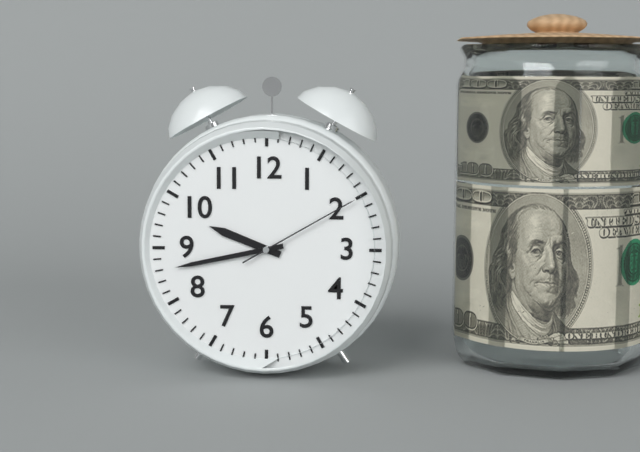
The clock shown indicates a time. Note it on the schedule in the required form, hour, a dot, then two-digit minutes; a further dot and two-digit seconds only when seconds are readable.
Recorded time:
9.43.10
